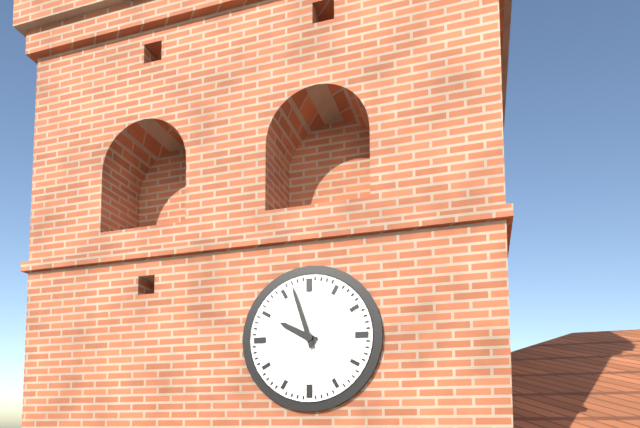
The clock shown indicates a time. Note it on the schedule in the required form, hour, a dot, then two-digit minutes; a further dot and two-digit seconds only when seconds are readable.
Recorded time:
9.57
